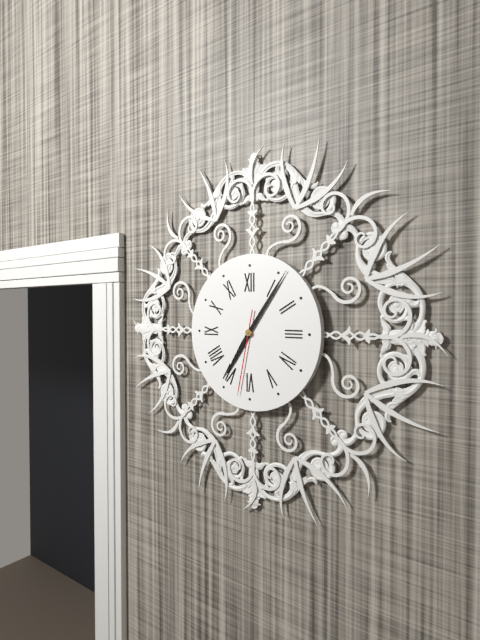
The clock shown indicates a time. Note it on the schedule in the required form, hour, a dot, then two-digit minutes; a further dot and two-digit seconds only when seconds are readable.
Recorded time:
7.06.32
